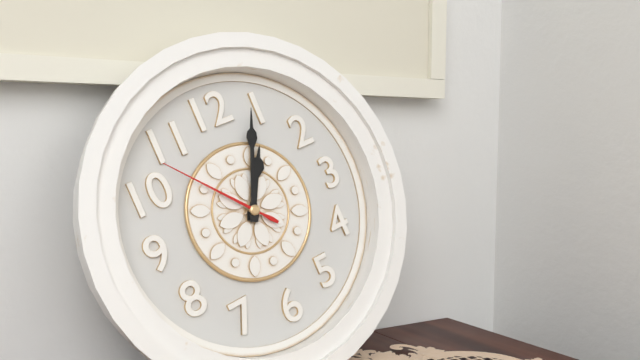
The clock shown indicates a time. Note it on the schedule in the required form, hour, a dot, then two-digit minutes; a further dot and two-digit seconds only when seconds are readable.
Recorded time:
1.04.53
